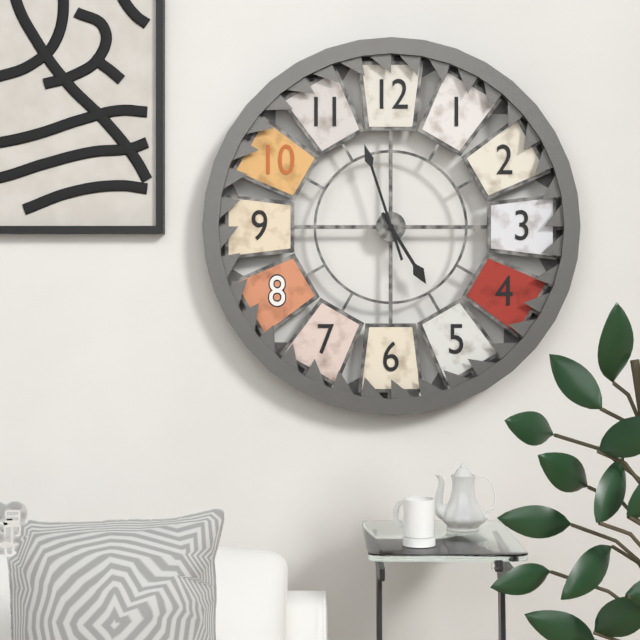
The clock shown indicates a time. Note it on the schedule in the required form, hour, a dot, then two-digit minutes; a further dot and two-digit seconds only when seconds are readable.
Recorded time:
4.57
